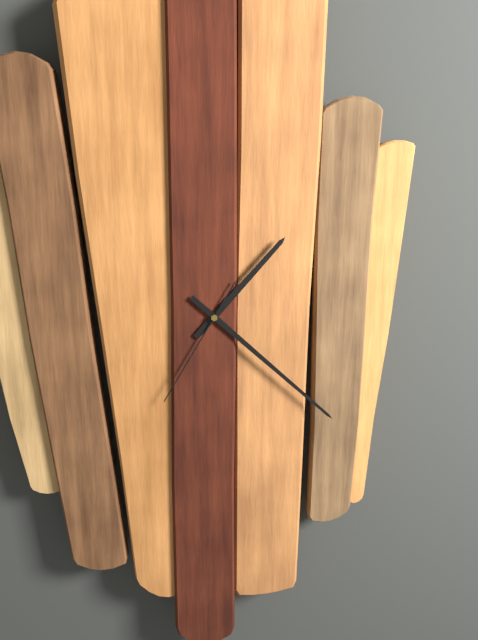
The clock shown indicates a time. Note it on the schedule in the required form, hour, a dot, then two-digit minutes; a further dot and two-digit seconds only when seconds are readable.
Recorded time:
1.22.35
